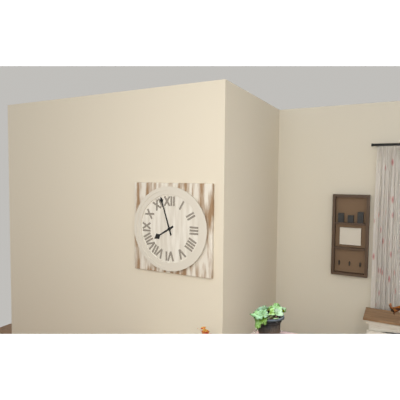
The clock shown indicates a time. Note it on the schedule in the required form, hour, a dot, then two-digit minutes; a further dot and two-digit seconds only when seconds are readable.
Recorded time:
7.57
